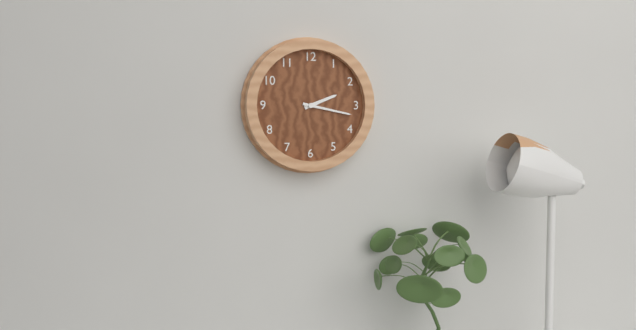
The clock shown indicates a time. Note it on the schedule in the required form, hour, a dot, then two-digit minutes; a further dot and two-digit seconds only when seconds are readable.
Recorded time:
2.17
